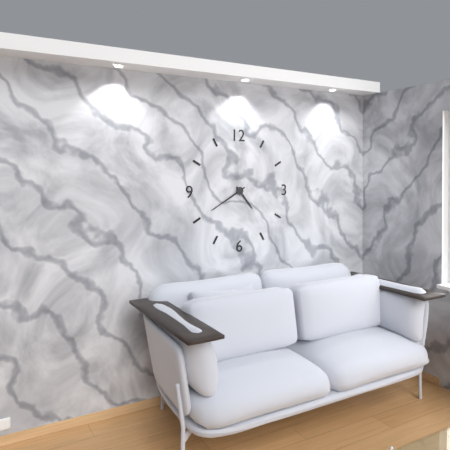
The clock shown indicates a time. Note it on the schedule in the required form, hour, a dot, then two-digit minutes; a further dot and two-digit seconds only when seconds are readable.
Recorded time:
4.40
